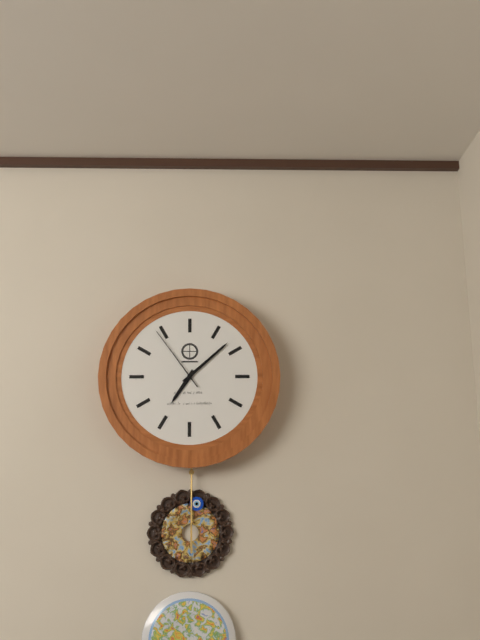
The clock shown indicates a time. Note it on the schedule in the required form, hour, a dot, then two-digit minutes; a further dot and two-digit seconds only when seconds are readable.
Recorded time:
7.08.54
